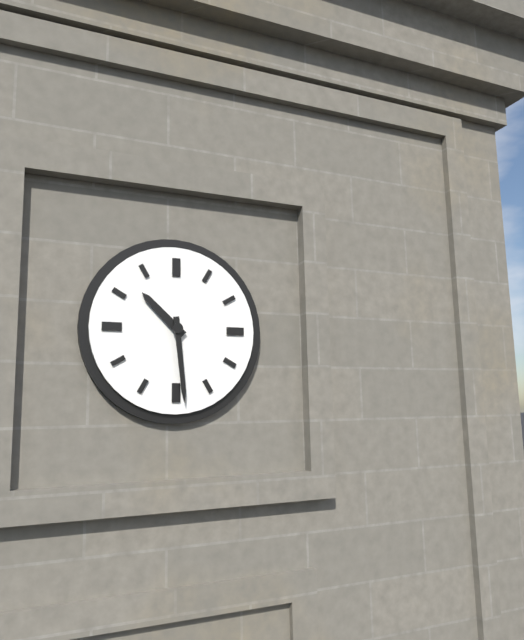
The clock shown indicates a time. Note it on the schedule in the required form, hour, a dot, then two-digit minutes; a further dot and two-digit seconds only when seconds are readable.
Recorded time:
10.29
